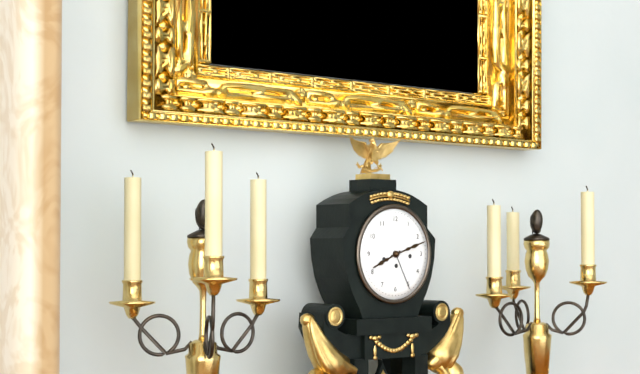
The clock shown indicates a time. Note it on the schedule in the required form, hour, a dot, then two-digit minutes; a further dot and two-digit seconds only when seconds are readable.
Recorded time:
8.12
